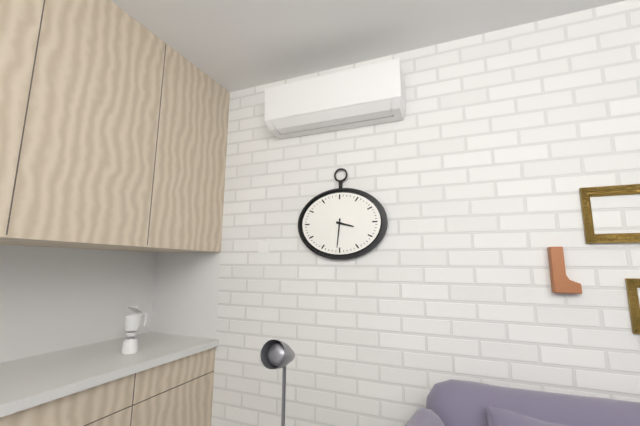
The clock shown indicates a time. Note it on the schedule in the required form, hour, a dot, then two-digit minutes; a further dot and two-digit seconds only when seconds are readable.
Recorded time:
3.31
